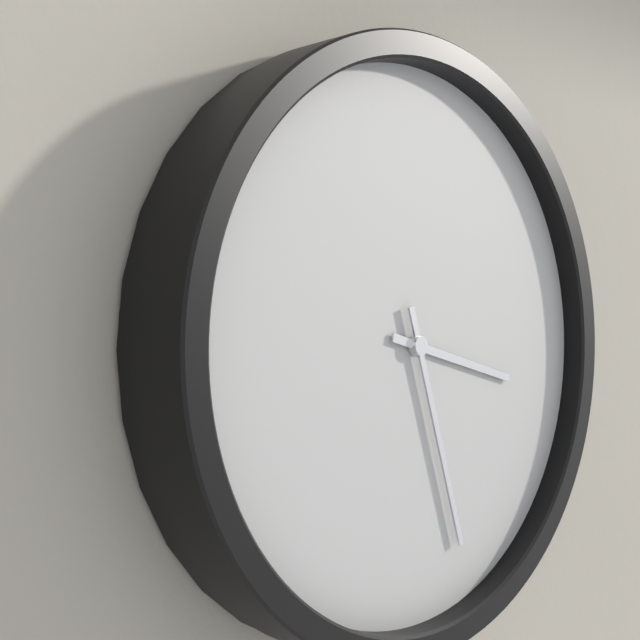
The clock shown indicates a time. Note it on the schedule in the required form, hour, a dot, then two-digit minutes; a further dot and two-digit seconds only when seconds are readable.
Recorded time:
3.27
